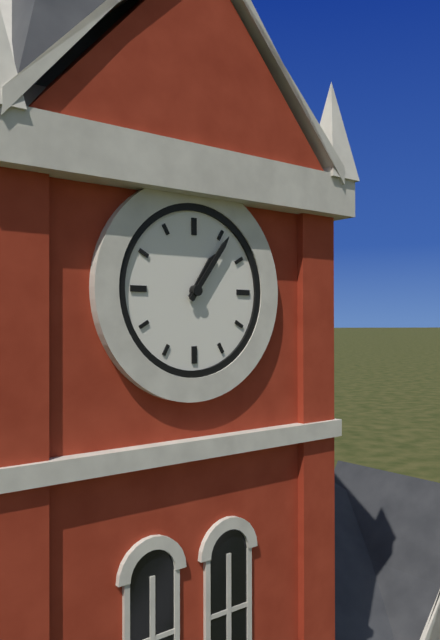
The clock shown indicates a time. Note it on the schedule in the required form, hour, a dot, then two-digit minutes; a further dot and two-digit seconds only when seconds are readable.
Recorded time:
1.06
